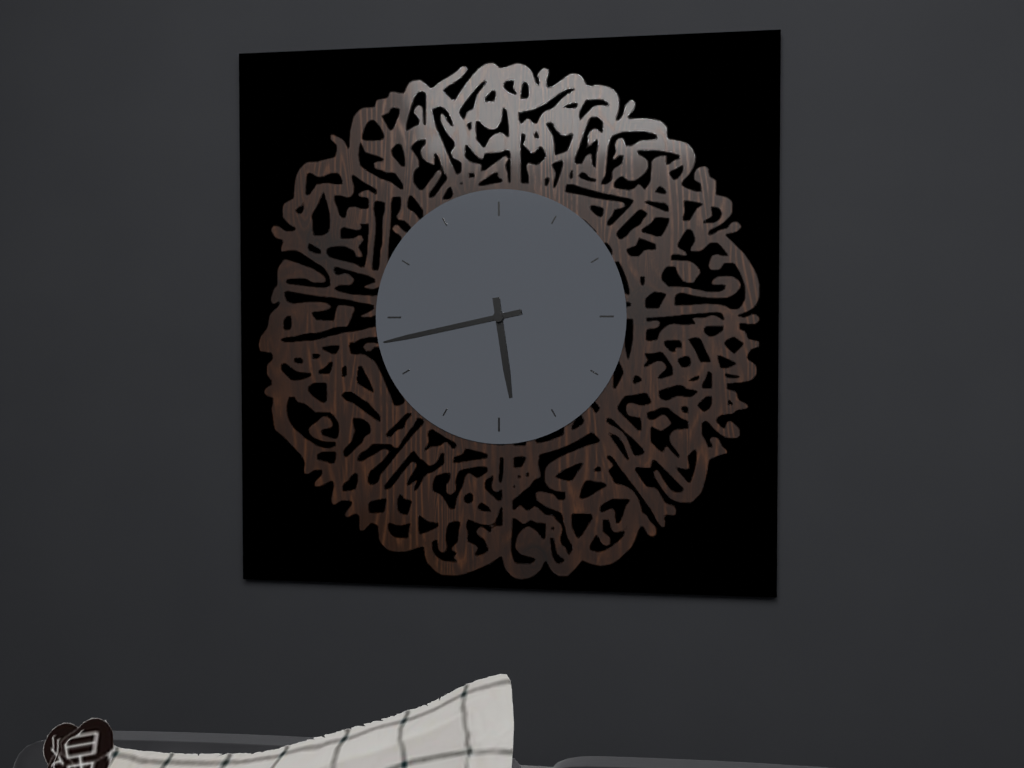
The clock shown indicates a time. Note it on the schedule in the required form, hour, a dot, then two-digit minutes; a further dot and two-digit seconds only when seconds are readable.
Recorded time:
5.43
